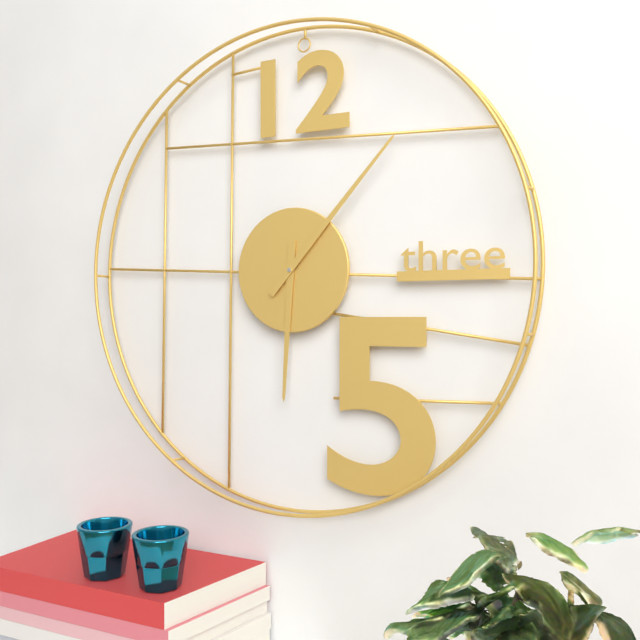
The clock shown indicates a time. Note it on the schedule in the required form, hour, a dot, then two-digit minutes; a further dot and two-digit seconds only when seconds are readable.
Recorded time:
6.07
